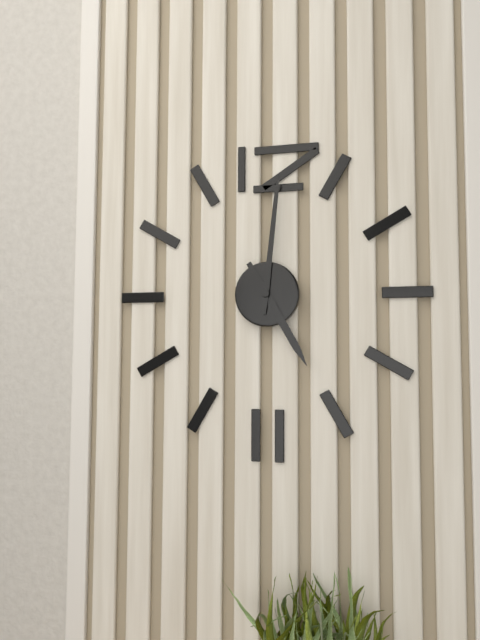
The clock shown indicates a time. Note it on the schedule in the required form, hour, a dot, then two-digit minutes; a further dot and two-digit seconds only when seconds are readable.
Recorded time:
5.01
